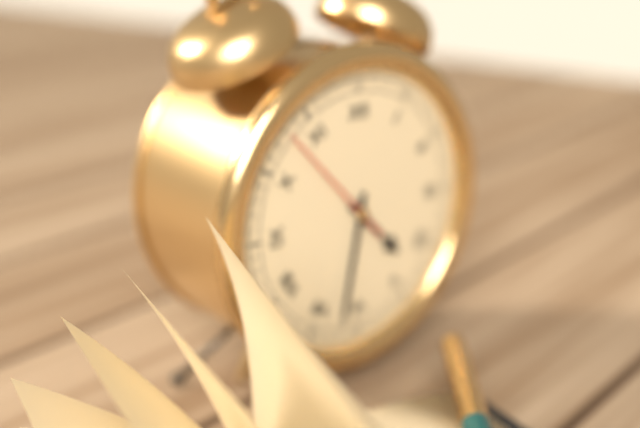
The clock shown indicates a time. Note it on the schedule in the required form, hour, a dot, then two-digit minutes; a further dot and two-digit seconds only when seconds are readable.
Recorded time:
4.32.53
